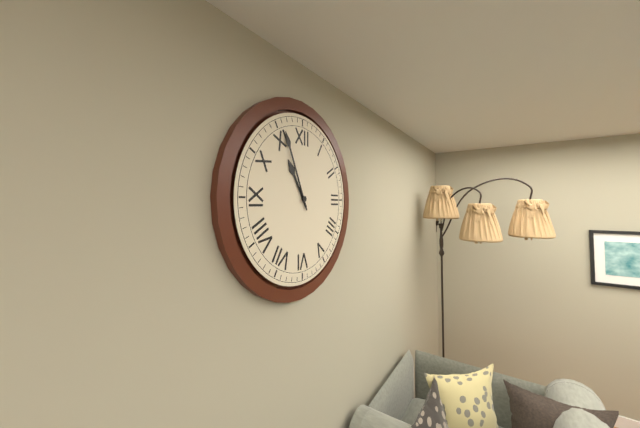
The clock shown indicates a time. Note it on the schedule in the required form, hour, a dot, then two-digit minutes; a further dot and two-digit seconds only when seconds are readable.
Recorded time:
10.56
